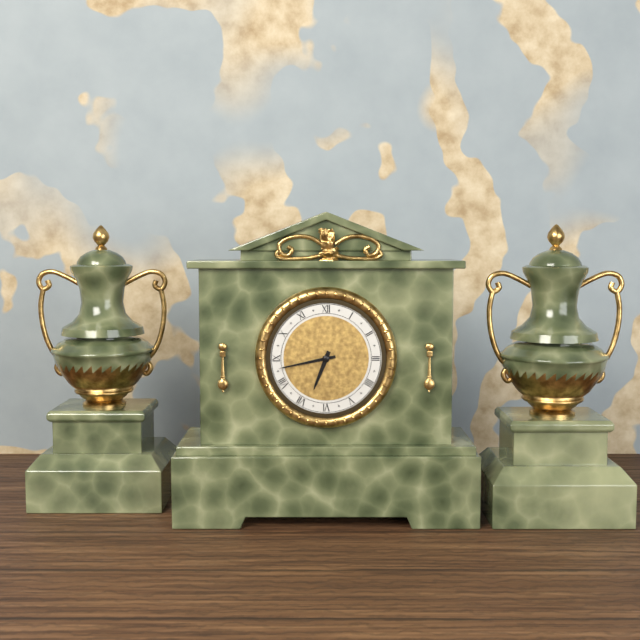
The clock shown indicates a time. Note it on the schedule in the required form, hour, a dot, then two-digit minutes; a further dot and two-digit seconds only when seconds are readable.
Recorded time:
6.43
